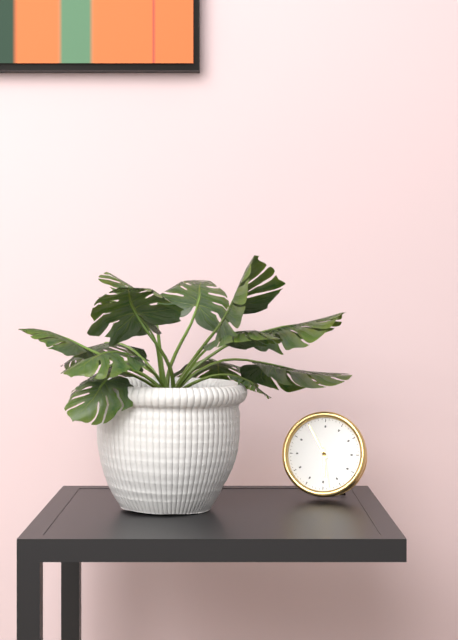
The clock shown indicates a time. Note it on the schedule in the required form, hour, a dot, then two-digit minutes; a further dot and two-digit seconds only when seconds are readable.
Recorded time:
5.55
